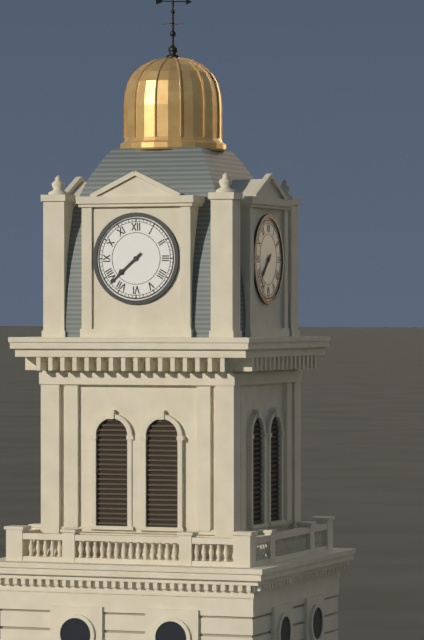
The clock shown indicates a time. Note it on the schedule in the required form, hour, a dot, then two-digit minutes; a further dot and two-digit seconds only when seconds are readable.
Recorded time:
7.38
